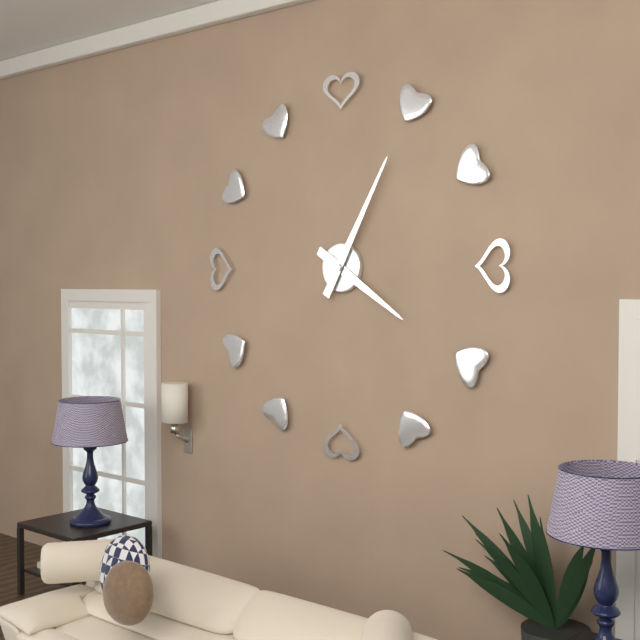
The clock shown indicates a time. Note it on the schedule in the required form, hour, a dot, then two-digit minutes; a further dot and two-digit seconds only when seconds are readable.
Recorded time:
4.05
